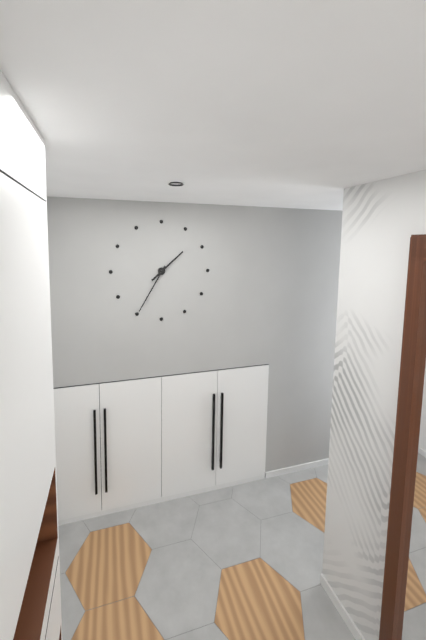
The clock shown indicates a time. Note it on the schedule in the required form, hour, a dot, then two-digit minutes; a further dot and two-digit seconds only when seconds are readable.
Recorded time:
1.35
